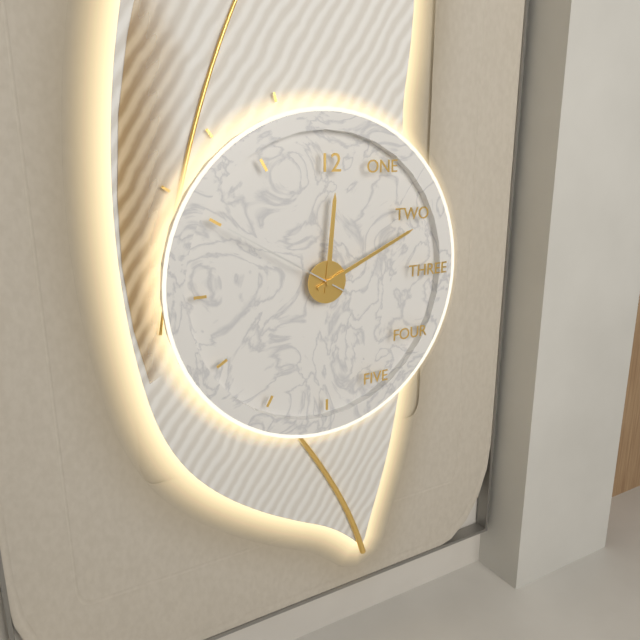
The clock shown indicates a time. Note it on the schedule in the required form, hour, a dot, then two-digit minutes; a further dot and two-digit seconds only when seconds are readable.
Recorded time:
12.11.50
